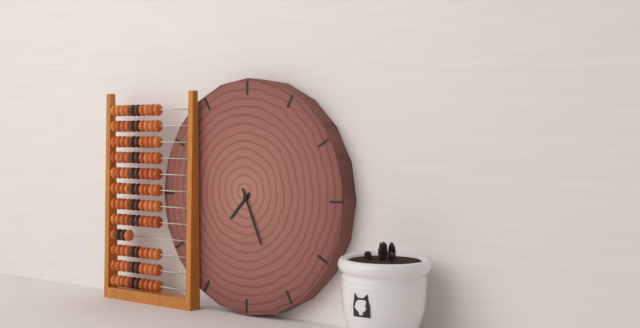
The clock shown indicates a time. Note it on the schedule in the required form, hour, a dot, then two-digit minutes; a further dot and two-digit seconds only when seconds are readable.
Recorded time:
7.26
